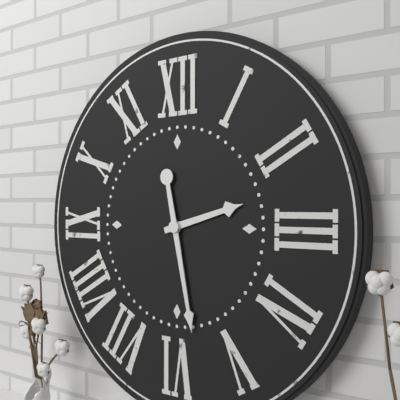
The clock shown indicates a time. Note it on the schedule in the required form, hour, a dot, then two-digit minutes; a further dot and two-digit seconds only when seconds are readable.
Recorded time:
2.28
